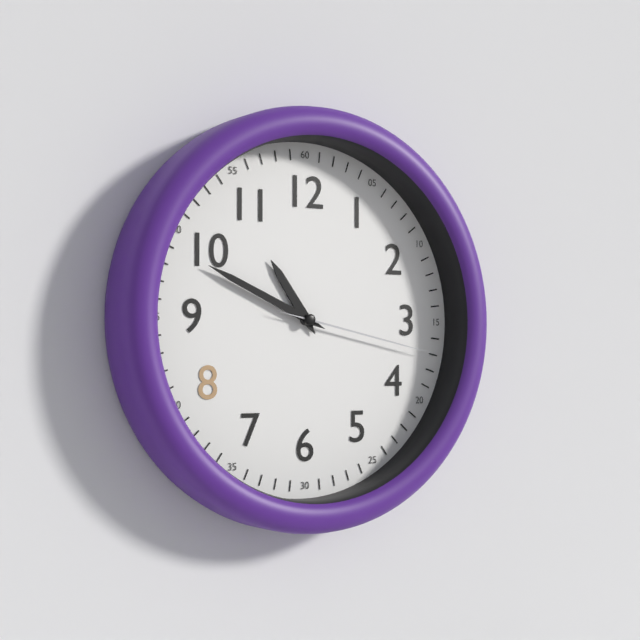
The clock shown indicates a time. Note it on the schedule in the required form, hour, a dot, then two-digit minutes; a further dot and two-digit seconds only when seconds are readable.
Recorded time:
10.49.17
